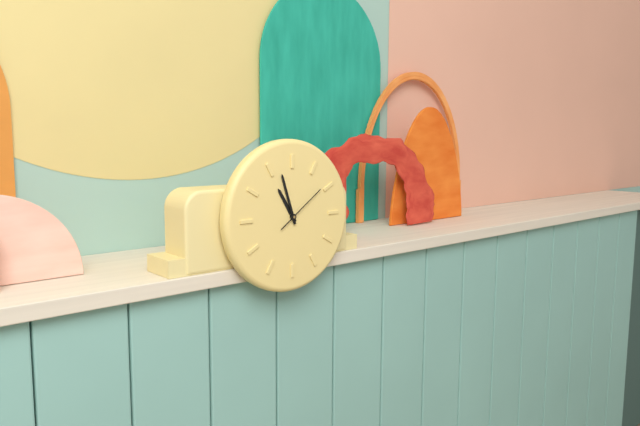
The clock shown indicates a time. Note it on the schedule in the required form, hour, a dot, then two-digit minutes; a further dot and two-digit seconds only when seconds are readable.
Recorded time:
10.57
